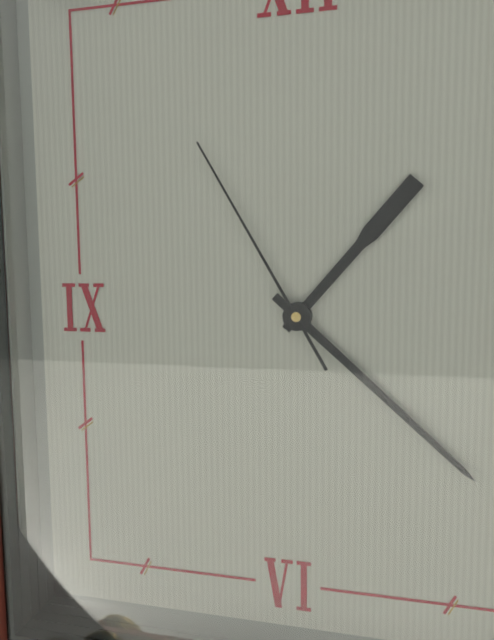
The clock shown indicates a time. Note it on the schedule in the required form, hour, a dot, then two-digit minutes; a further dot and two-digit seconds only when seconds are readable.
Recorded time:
1.22.55
